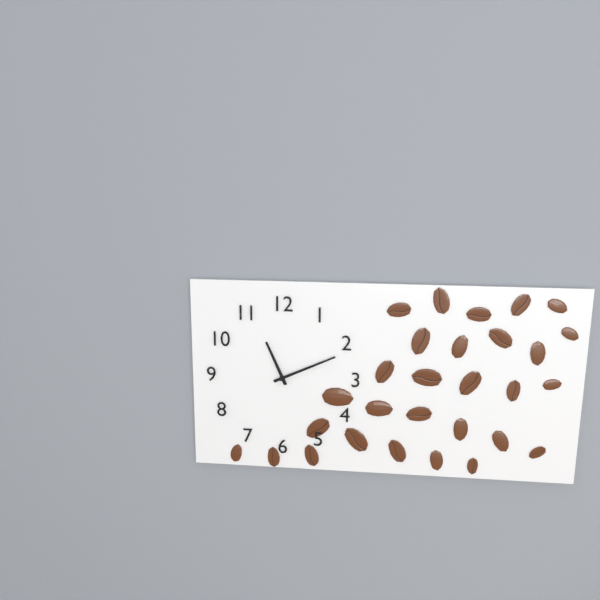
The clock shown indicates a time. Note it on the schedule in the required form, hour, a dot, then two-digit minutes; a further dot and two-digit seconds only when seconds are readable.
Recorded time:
11.11
